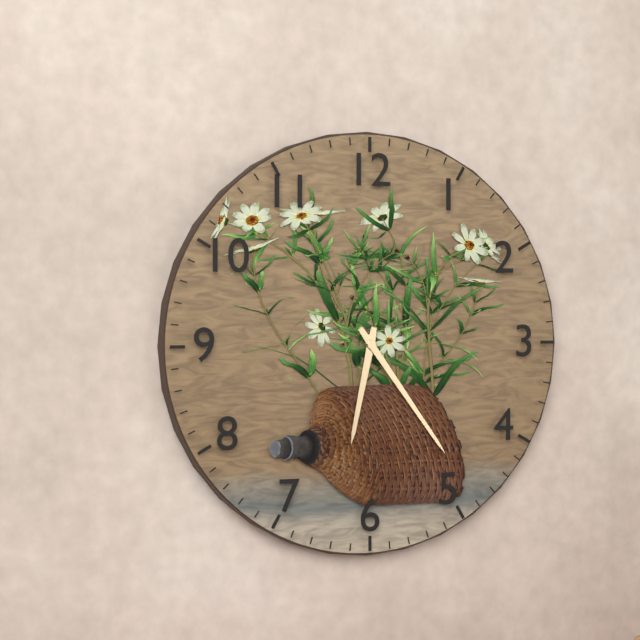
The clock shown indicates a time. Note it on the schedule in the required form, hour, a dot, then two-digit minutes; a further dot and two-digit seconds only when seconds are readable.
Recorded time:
6.24
